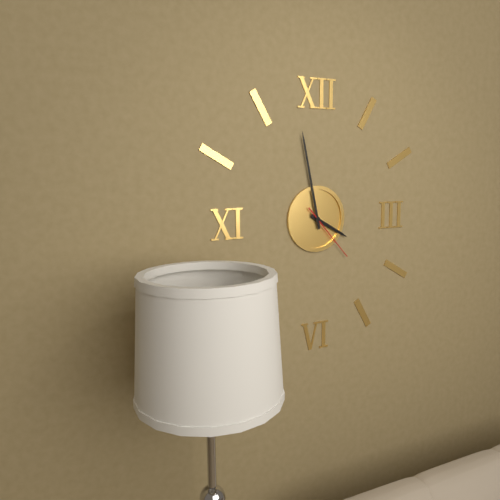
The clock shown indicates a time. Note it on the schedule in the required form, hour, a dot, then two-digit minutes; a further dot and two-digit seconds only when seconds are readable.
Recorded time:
3.58.23
